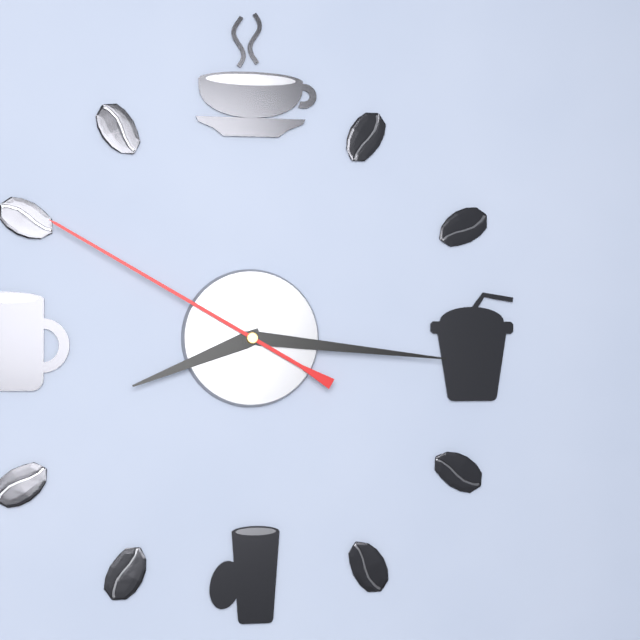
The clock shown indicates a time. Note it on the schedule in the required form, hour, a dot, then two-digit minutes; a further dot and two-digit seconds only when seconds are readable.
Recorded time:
8.16.50
